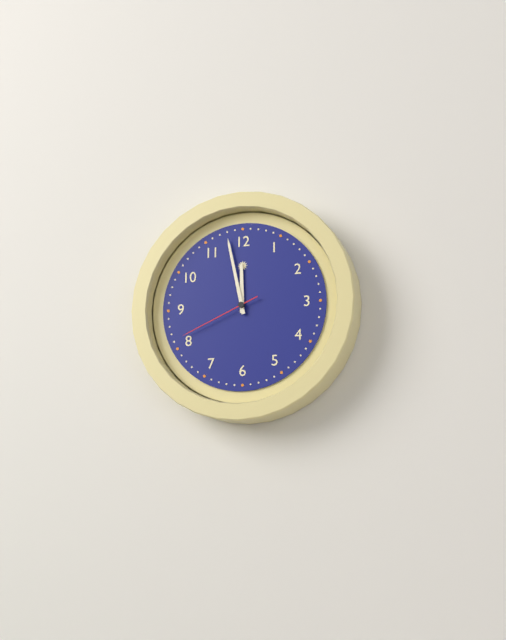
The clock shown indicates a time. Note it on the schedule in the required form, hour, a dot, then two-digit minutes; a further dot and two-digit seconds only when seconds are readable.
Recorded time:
11.58.41
